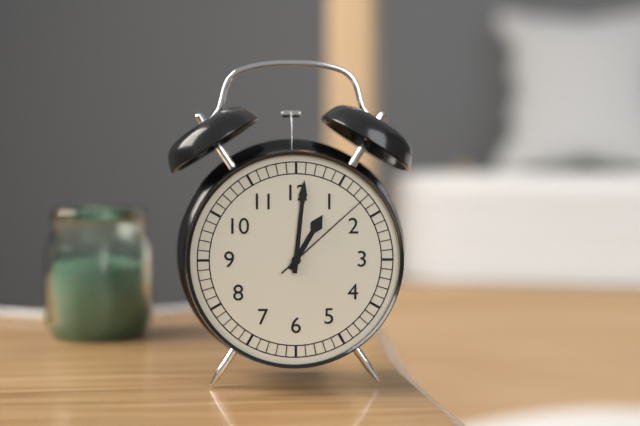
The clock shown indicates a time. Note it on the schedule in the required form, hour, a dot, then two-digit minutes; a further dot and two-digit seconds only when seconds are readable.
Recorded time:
1.01.08
